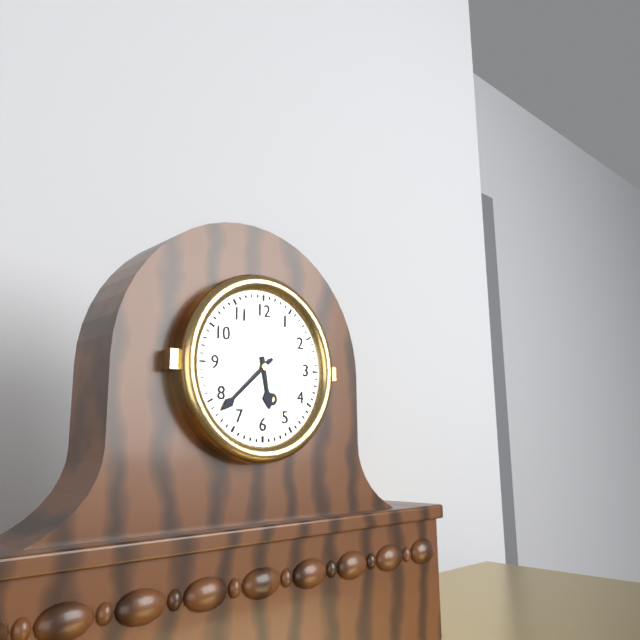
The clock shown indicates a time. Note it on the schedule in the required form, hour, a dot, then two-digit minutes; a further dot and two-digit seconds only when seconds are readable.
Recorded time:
5.38
